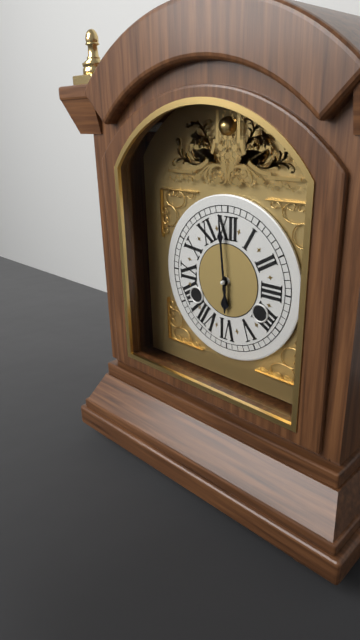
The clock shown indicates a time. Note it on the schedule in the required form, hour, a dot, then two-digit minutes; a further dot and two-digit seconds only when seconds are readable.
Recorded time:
5.59
